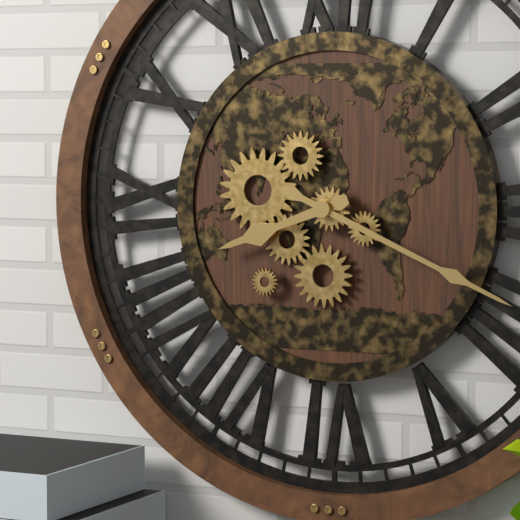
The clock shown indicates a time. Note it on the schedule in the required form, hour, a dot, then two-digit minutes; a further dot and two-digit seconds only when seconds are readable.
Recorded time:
8.19
